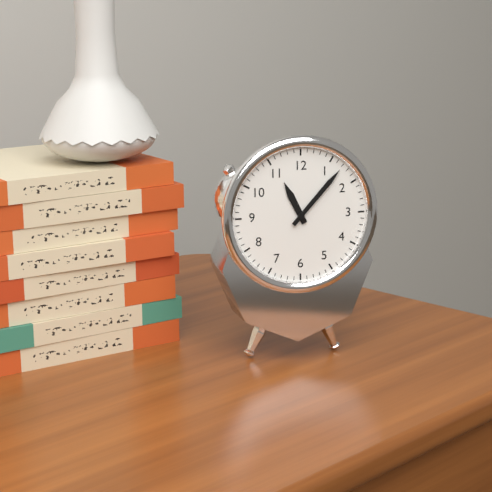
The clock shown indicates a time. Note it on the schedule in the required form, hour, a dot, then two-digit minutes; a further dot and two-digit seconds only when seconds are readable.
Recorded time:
11.07
